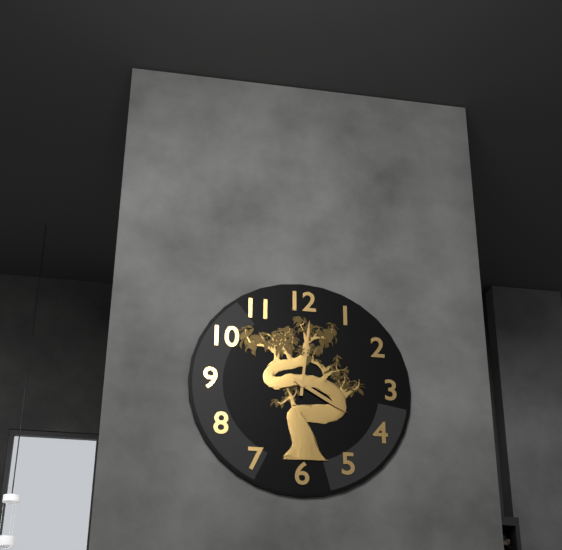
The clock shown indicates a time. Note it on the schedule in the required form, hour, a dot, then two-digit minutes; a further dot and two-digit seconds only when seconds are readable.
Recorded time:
4.01
